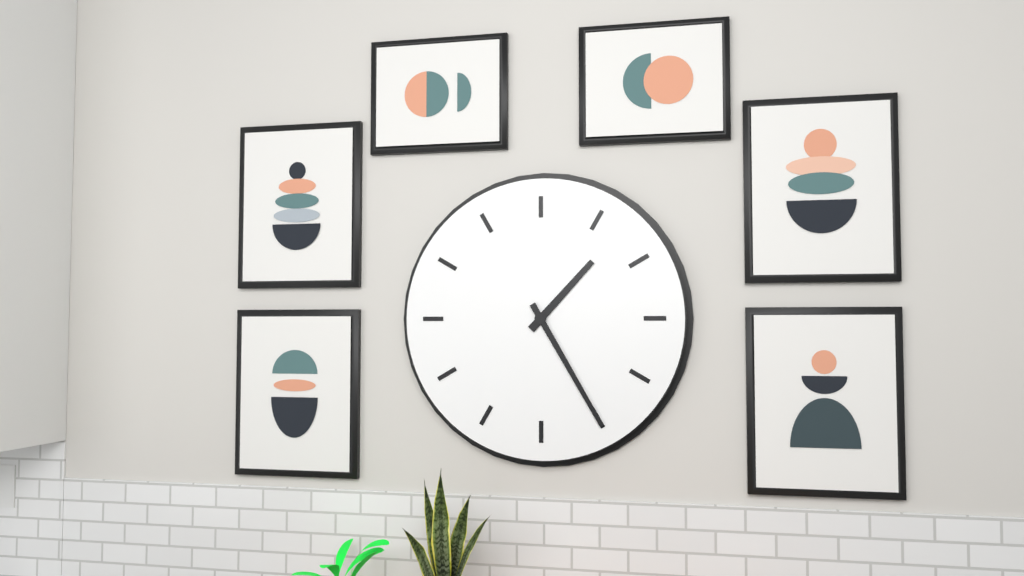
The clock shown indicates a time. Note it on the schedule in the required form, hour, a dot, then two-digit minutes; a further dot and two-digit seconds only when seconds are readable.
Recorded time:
1.25
